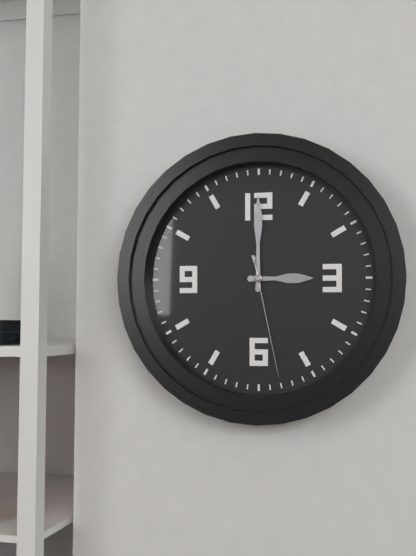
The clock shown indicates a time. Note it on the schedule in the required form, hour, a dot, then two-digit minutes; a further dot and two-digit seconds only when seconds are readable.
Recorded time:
3.00.28
